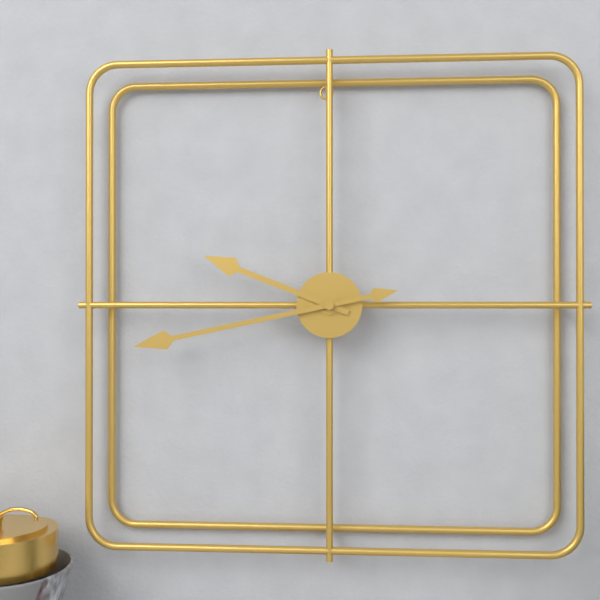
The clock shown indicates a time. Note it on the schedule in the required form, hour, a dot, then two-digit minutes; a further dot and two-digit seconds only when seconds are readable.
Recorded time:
9.43
